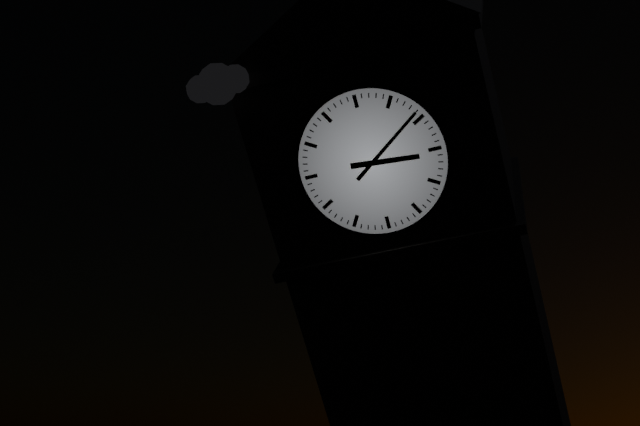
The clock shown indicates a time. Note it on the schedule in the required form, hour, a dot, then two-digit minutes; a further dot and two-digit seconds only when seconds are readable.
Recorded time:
3.09
